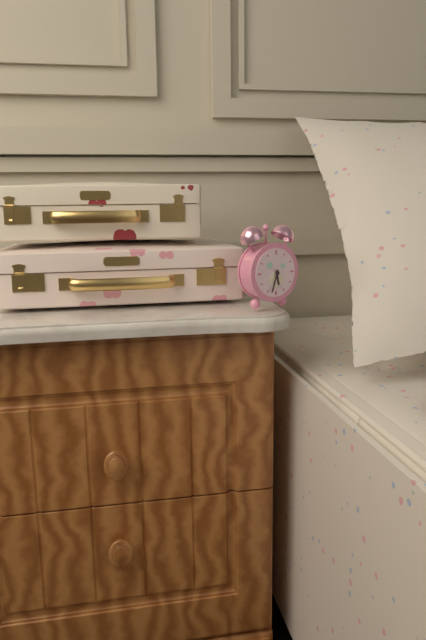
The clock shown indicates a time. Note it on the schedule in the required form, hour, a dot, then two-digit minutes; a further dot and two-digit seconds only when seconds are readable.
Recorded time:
5.33
